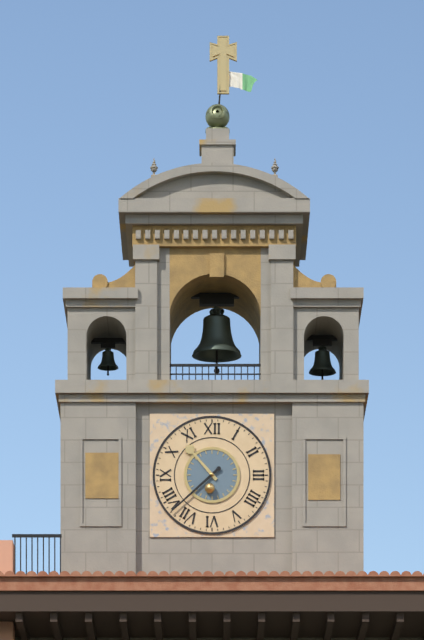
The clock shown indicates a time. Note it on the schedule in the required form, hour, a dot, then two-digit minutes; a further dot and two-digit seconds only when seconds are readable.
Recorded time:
10.38
